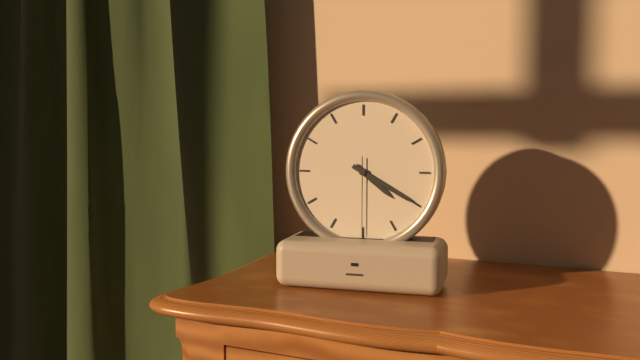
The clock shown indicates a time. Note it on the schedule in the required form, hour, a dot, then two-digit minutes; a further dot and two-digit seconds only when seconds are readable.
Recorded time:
4.20.30
